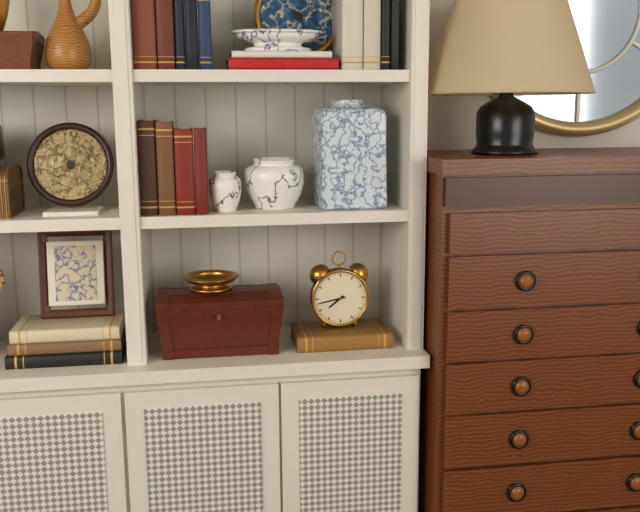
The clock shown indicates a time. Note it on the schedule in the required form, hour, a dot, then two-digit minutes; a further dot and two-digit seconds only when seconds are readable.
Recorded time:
7.43
